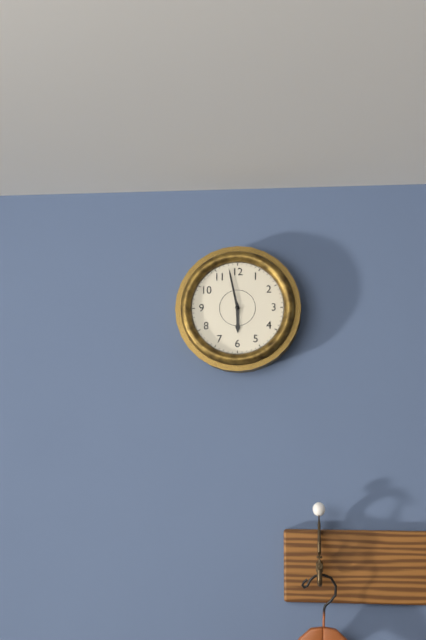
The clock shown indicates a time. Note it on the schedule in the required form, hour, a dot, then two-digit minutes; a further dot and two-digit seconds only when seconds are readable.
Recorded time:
5.58
